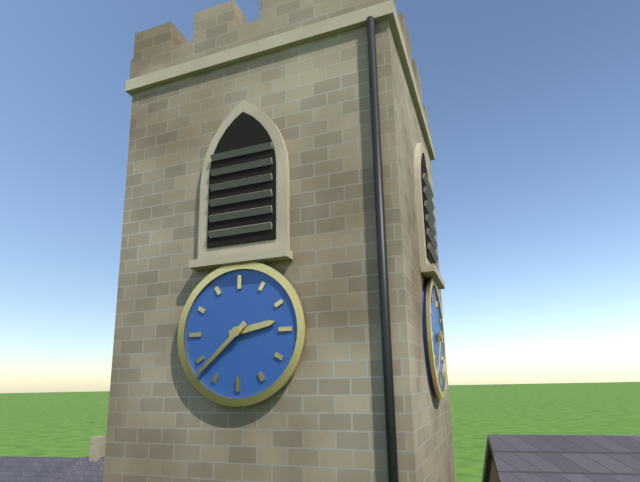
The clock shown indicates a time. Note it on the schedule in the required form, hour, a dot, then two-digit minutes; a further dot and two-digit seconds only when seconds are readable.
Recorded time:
2.38
